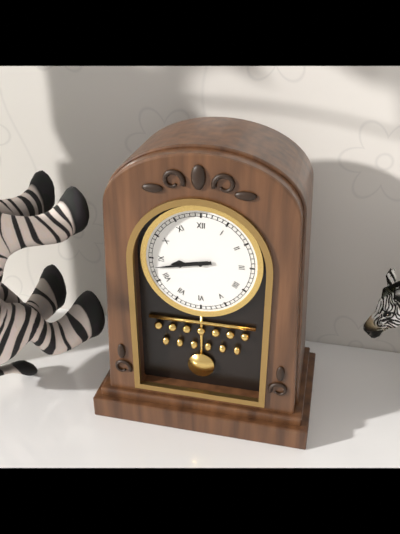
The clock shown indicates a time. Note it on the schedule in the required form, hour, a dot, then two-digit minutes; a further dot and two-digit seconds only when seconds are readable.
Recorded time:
8.43
